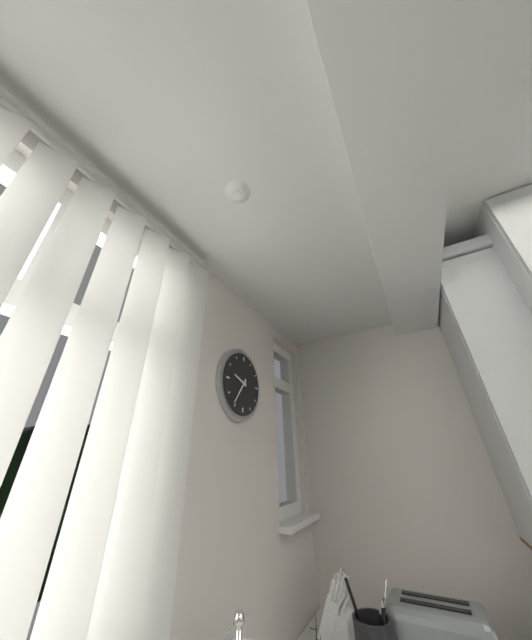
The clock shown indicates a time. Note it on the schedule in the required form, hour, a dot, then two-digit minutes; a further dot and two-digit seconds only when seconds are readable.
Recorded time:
9.36
